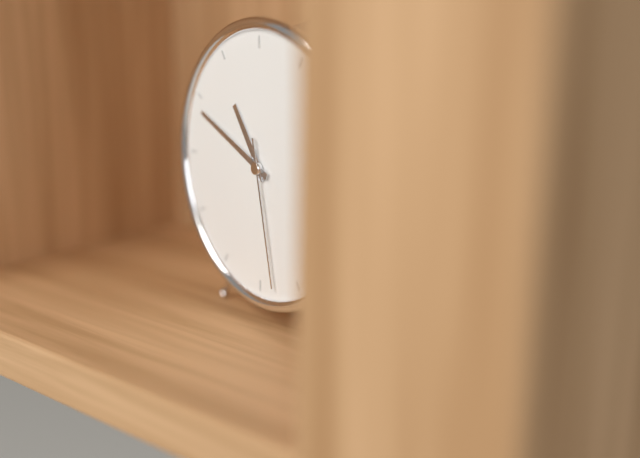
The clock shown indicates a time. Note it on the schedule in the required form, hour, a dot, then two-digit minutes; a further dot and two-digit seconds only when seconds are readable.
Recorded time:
10.49.28
